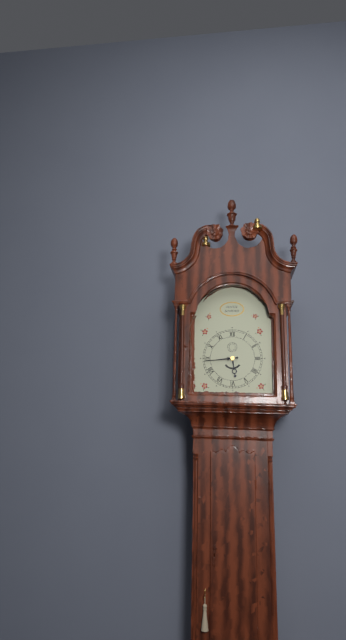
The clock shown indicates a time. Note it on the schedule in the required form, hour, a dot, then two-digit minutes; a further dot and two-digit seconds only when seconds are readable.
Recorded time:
5.44
